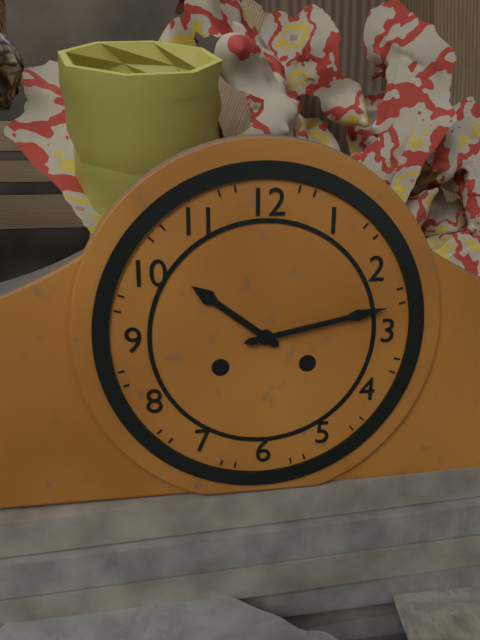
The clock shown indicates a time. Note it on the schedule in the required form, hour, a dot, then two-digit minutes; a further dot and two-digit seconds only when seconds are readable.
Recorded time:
10.13
